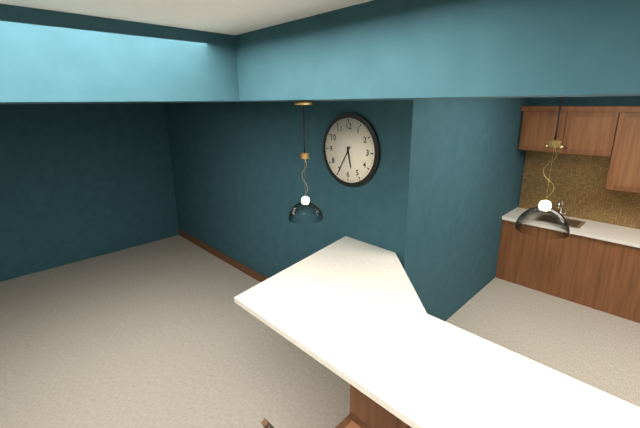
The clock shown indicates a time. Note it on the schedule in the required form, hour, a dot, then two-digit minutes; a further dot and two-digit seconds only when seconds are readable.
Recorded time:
5.35
